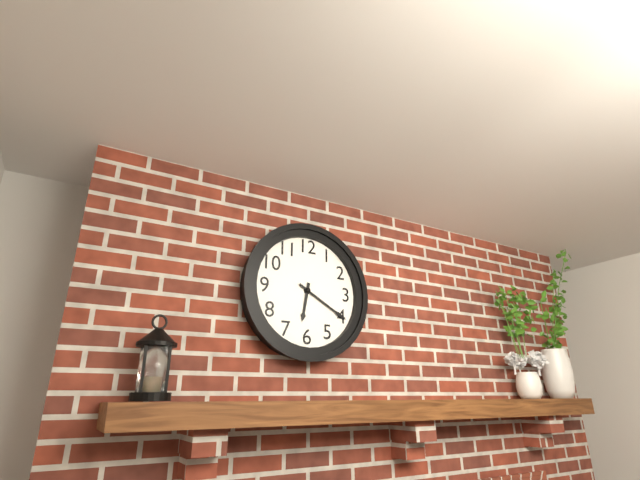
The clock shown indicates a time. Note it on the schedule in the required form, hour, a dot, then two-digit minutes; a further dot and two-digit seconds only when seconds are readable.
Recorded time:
6.20
